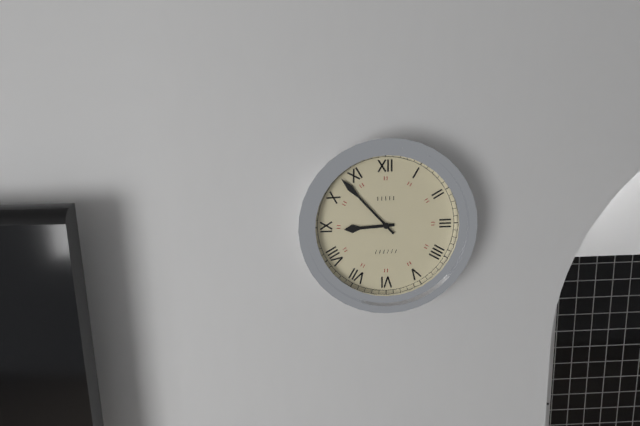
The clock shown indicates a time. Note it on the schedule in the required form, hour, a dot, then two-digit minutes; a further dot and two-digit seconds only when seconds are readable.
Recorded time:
8.53
